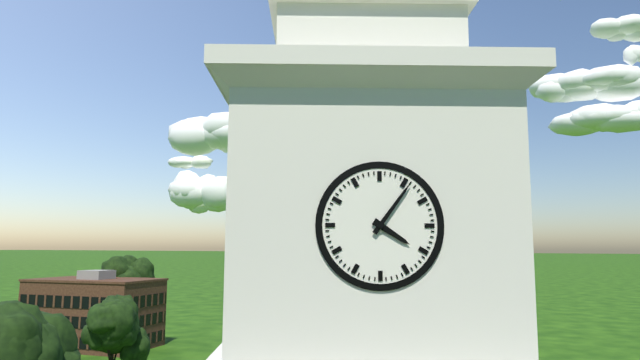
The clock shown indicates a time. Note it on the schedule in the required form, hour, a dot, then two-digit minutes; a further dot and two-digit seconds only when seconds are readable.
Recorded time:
4.06
